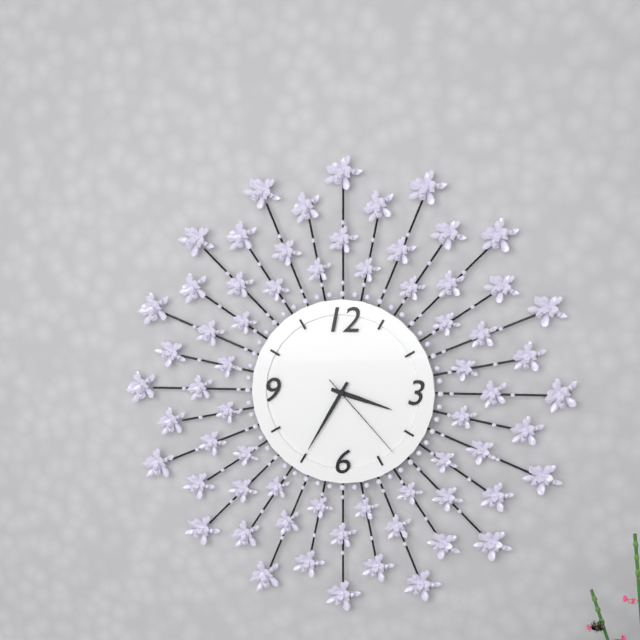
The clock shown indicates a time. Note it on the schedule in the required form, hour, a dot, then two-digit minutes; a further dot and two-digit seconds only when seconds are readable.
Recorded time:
3.35.23
